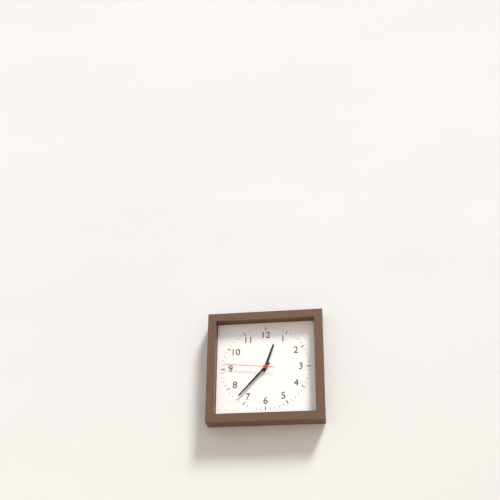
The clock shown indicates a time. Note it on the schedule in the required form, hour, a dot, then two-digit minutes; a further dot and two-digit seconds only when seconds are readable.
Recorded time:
12.37.46
